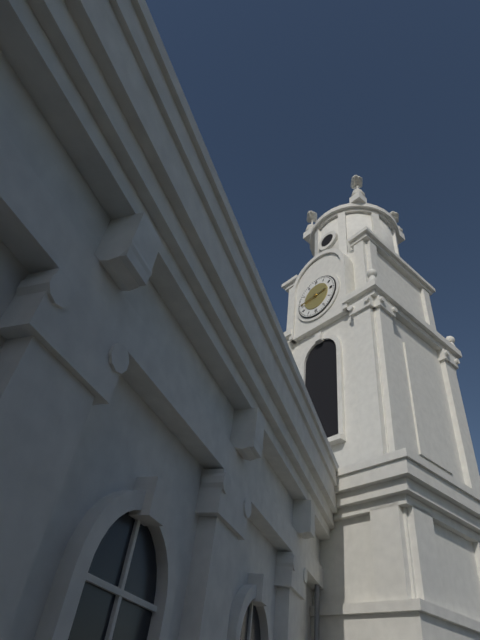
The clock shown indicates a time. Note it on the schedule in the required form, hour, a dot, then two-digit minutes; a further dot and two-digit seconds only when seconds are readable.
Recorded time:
2.44
